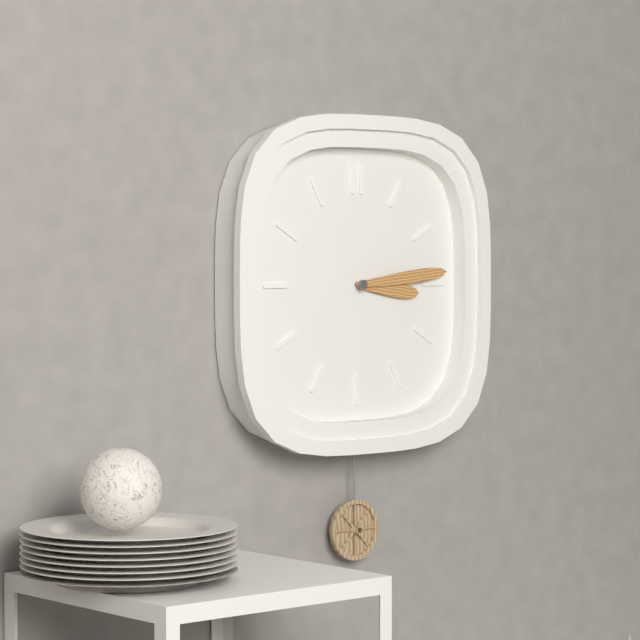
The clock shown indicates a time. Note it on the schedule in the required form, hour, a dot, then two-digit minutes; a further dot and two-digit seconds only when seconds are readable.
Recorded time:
3.14
